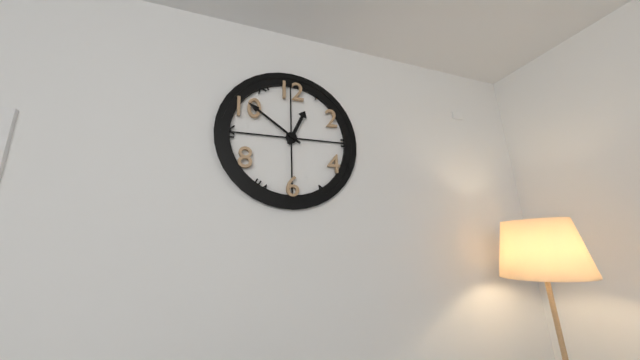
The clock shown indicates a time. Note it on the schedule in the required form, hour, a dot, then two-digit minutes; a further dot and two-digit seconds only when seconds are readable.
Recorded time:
12.51
